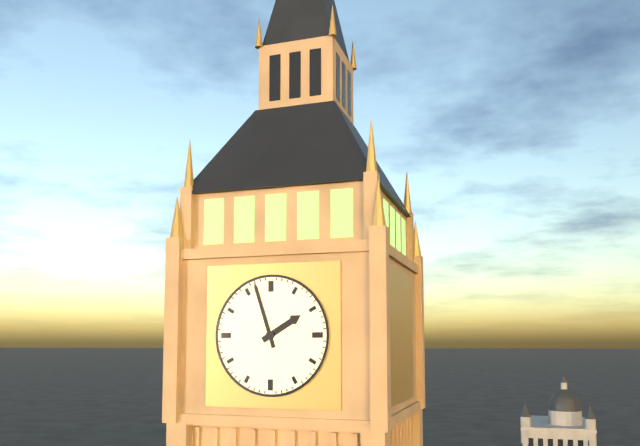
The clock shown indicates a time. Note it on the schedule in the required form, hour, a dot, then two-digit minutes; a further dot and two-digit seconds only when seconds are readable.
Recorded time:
1.57
